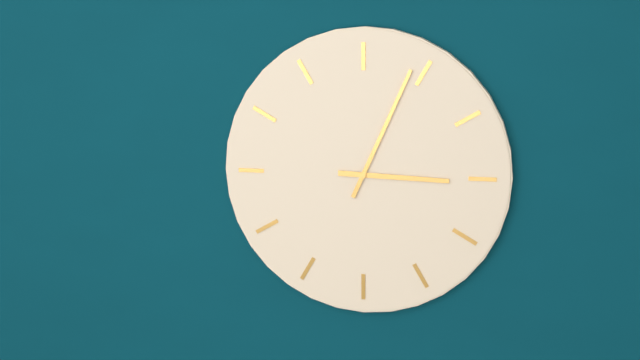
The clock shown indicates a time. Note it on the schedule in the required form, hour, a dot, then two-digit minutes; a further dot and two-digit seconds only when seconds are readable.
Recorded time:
3.04
